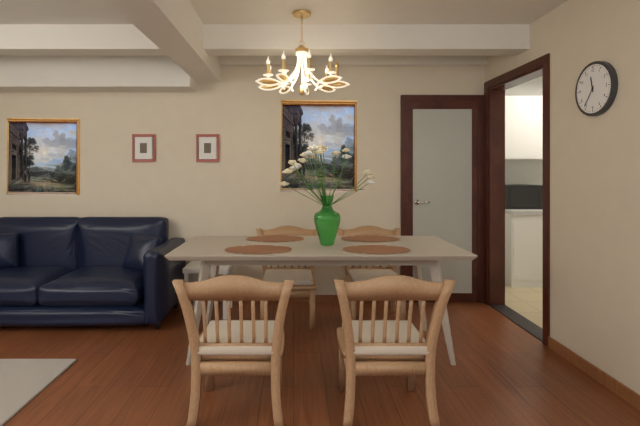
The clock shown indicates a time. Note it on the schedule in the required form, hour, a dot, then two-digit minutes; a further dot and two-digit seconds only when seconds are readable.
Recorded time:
11.36
